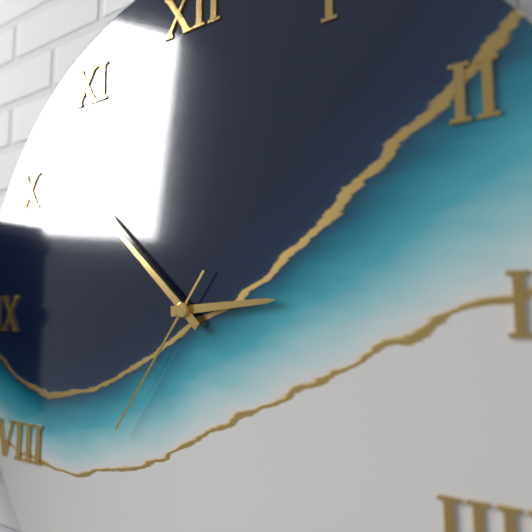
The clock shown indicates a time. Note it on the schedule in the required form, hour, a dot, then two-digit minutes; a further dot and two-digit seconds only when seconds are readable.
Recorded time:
2.52.36
